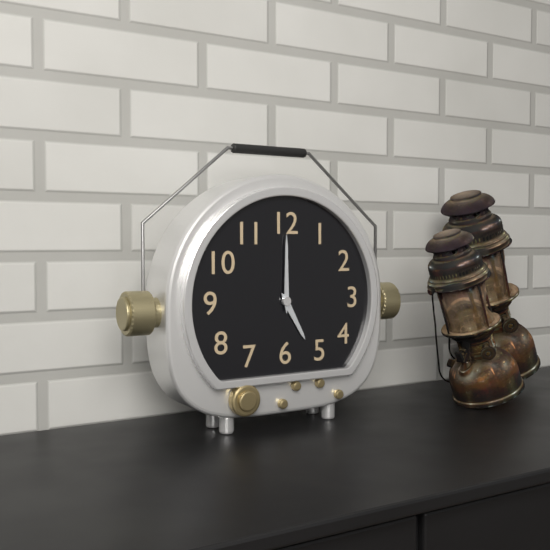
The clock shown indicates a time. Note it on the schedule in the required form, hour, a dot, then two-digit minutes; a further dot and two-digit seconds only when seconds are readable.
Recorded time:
5.00
